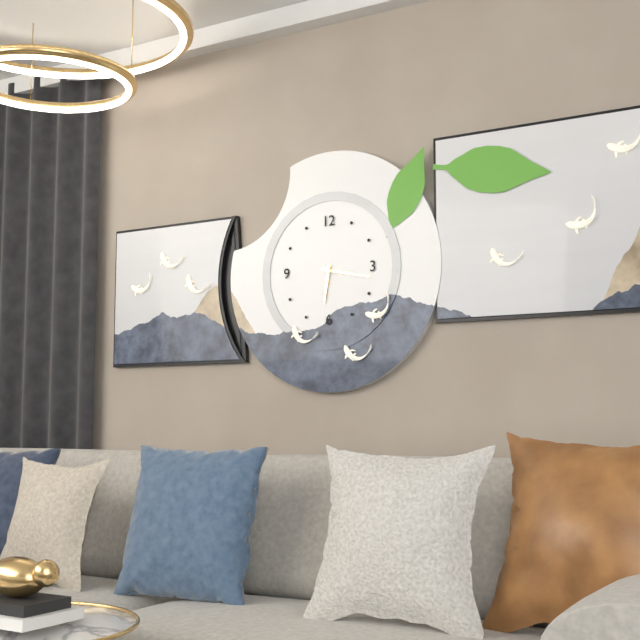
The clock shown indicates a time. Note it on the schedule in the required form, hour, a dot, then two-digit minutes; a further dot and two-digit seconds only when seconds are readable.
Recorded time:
6.17
